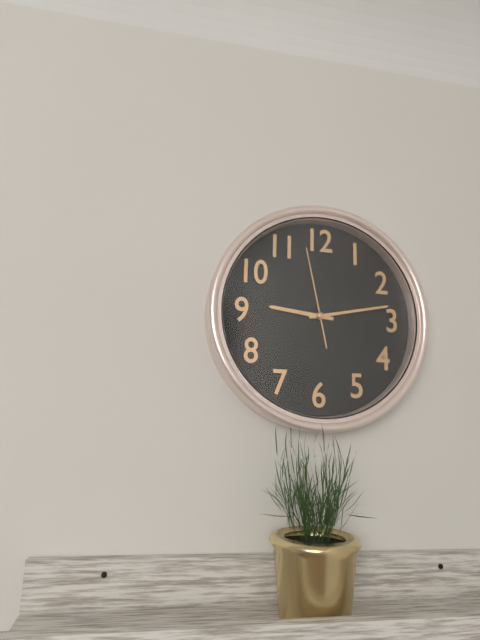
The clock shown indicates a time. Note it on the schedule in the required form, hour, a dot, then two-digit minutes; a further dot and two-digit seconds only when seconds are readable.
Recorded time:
9.13.58
